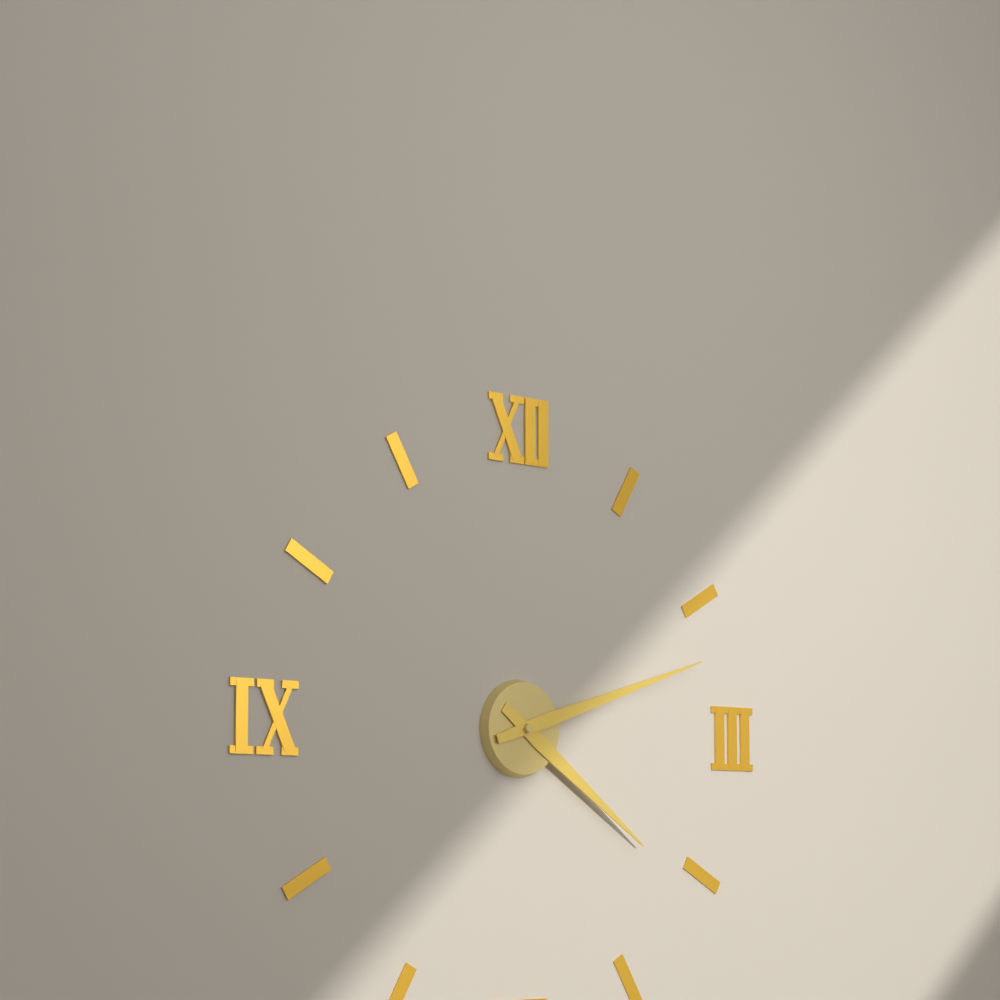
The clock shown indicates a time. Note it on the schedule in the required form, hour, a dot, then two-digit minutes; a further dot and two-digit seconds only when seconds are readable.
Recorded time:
4.12
